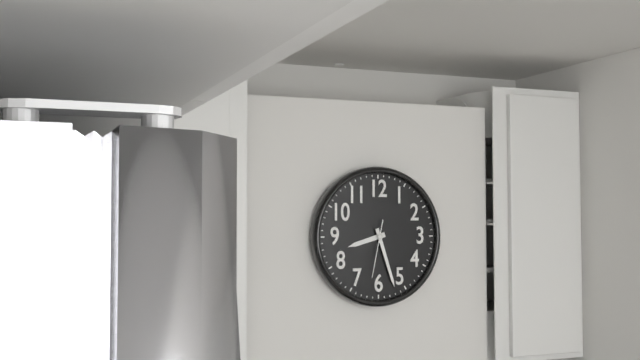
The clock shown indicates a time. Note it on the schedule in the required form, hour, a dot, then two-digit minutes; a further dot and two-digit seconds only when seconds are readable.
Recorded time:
8.27.32
